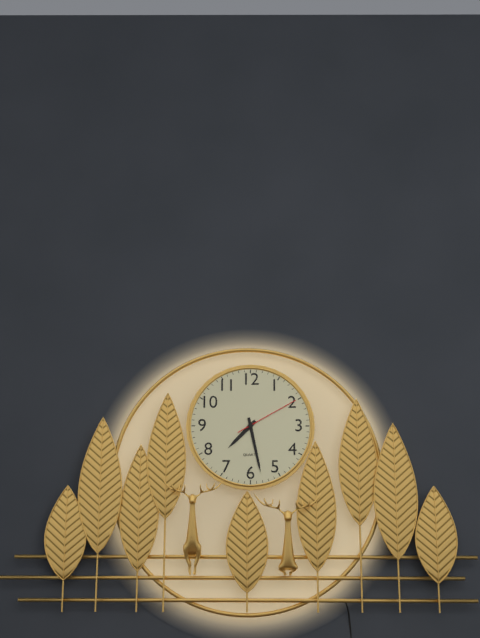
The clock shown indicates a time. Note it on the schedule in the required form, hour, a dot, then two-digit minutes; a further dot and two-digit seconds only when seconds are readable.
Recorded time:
7.28.10
